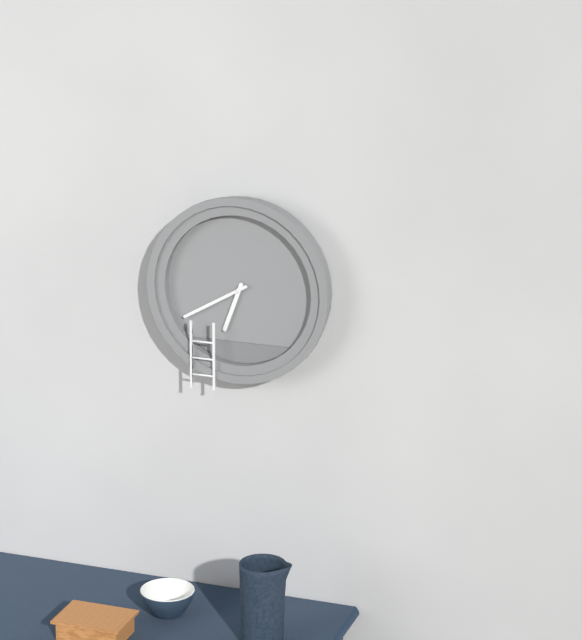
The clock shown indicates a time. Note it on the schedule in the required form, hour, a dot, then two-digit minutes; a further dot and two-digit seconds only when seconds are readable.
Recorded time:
6.40
